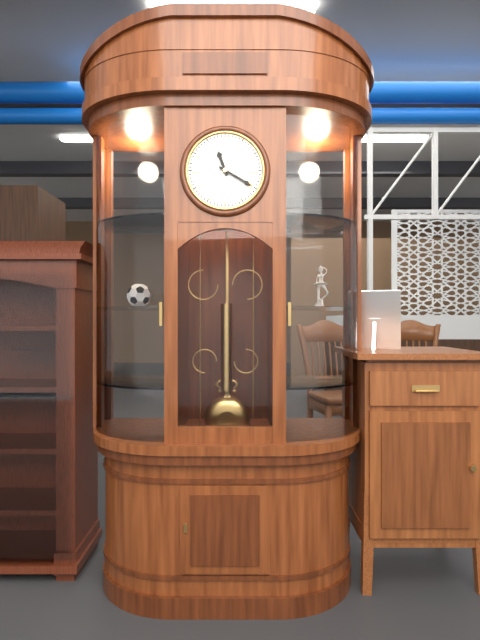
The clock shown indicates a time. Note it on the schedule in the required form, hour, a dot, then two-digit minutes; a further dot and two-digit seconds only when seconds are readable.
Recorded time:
11.20
